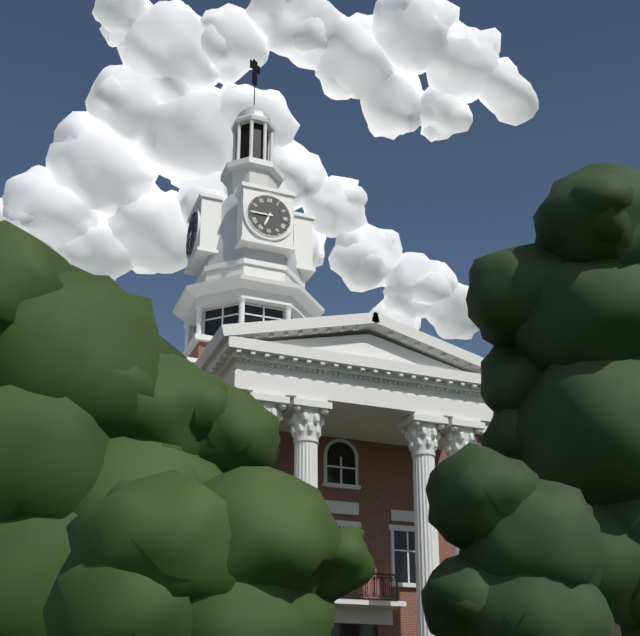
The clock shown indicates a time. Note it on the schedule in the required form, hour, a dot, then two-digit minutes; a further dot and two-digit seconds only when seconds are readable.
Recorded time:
6.45
